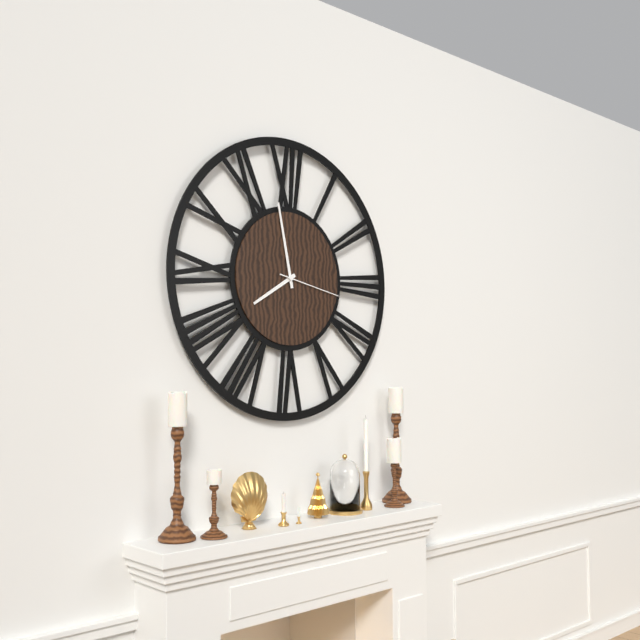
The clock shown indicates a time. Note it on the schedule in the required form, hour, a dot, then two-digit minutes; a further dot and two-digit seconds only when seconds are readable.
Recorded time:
7.58.17
